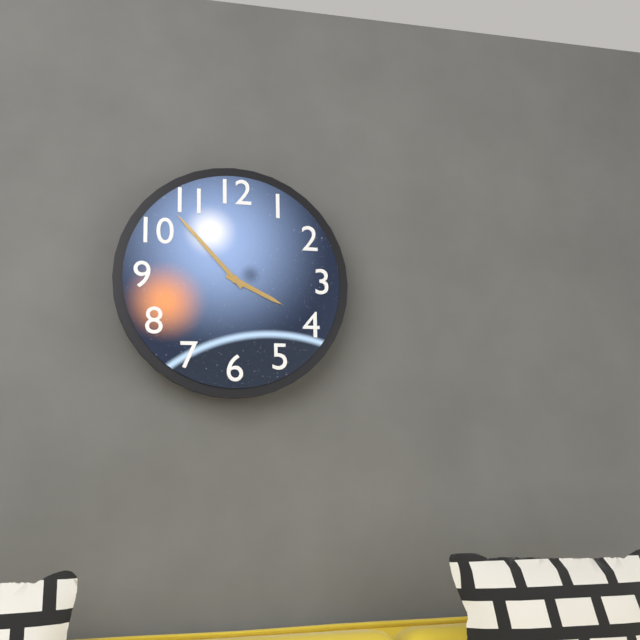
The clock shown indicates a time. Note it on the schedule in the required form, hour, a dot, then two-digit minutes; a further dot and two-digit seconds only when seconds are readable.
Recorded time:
3.53
